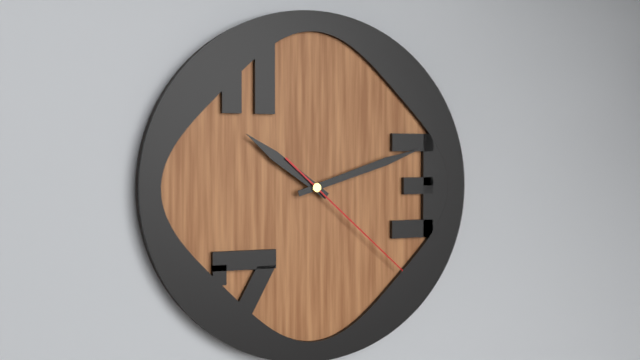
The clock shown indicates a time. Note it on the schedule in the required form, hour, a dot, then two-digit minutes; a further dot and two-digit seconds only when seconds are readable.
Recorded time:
10.12.22
